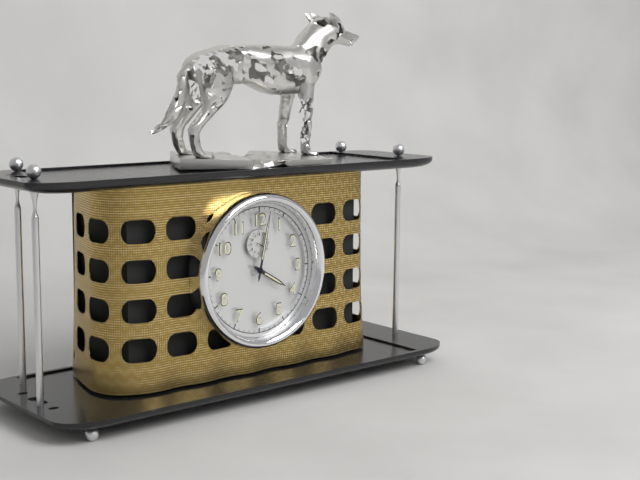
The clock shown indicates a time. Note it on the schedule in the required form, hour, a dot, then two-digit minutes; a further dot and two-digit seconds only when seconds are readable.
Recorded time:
4.02
